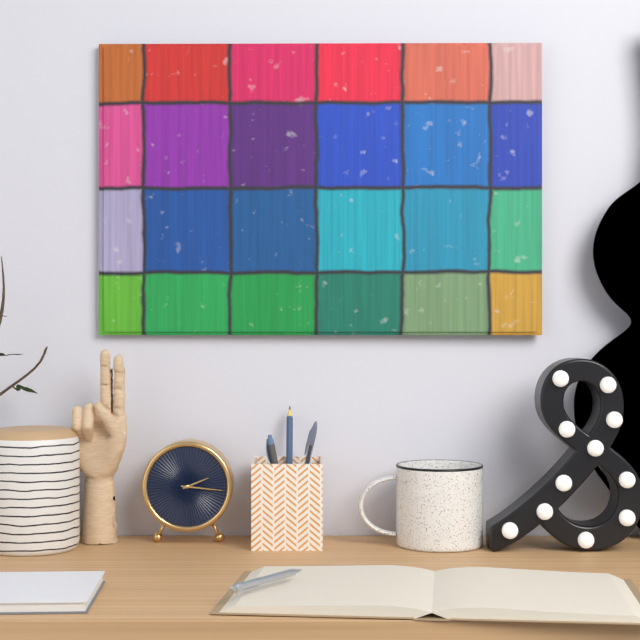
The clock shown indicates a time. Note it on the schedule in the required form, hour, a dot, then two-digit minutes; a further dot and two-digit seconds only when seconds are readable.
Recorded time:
2.16
